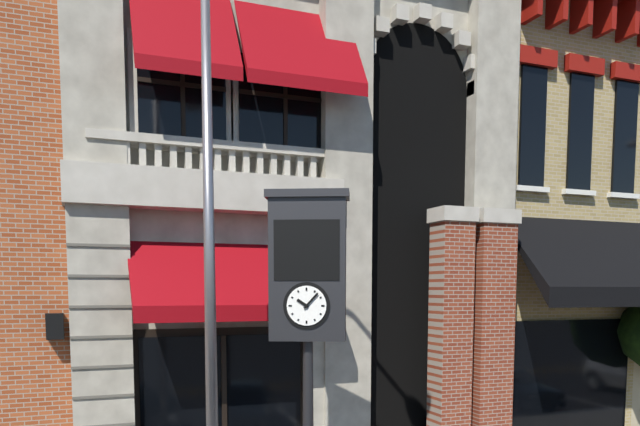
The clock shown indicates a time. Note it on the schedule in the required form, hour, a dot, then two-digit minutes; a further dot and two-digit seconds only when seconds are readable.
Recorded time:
10.07
